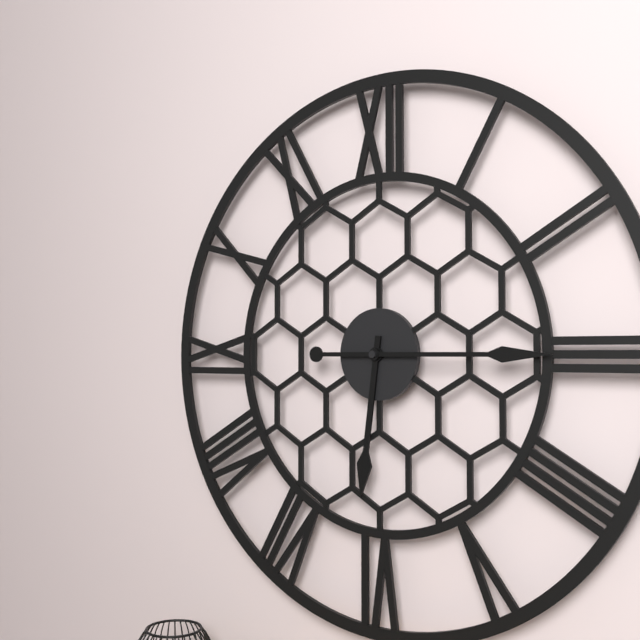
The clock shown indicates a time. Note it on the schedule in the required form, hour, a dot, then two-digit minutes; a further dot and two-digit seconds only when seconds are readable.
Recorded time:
6.15
